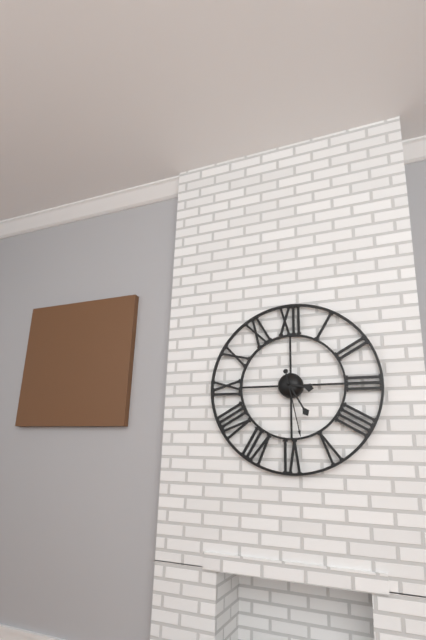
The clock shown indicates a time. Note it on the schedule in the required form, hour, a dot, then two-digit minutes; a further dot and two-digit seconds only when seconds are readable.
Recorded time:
3.25.28
